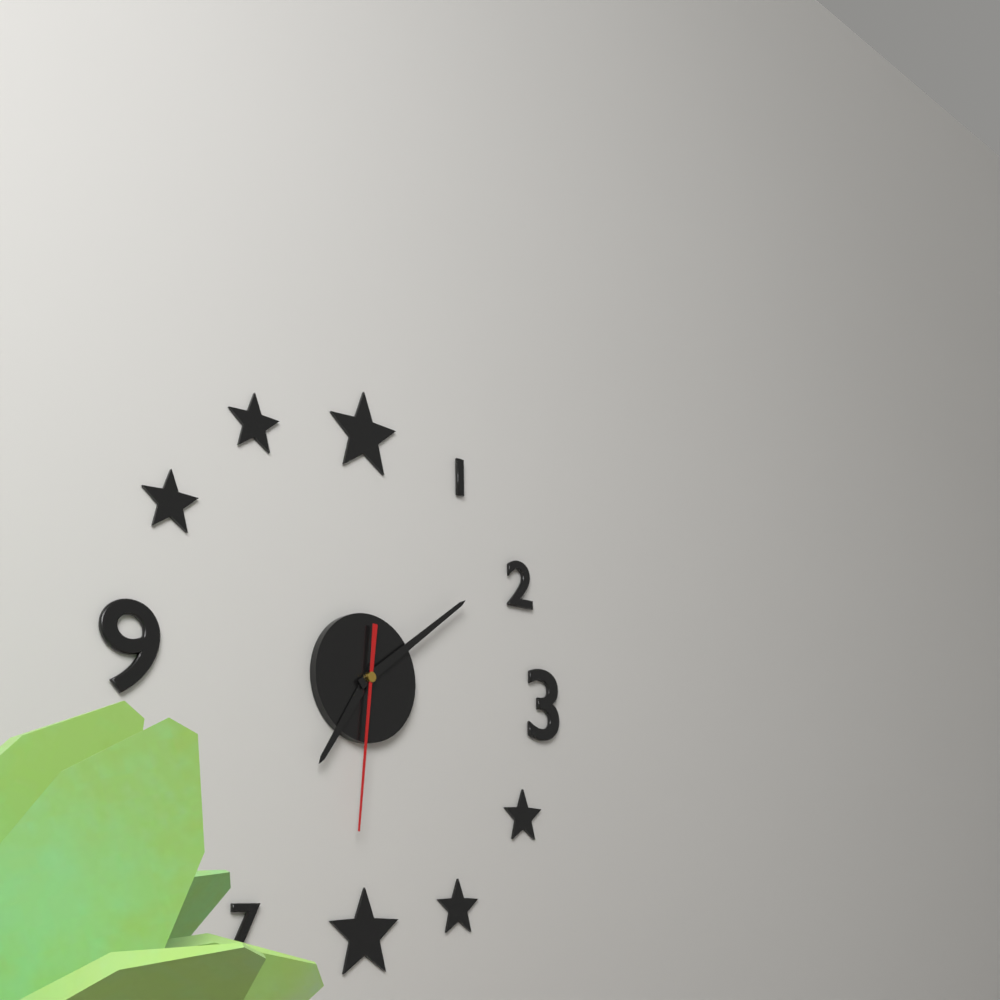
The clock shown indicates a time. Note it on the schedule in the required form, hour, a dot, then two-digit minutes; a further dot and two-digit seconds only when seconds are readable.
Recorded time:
7.09.31
